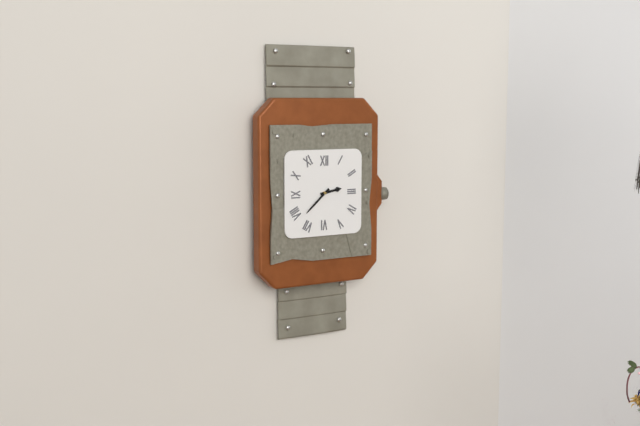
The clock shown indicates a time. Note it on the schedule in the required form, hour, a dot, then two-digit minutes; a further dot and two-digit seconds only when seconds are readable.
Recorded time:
2.38
